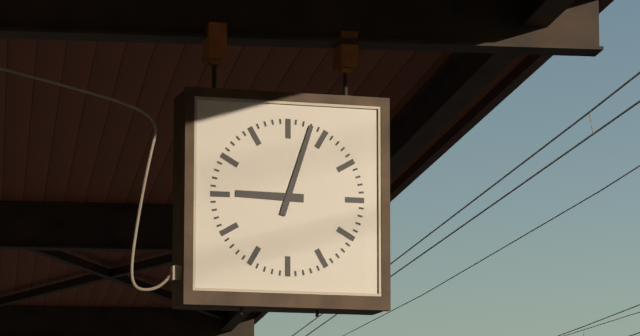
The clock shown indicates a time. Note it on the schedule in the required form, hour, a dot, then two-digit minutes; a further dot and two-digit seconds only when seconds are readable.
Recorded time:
9.03
